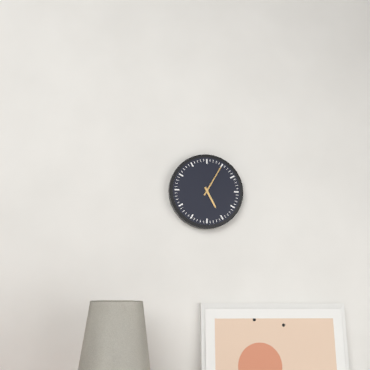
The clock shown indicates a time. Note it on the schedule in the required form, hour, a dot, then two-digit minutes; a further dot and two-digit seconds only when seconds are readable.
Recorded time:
5.05
